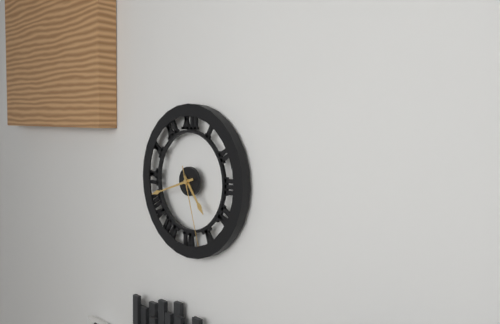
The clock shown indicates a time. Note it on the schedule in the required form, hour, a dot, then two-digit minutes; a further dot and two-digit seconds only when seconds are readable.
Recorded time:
4.42.27
